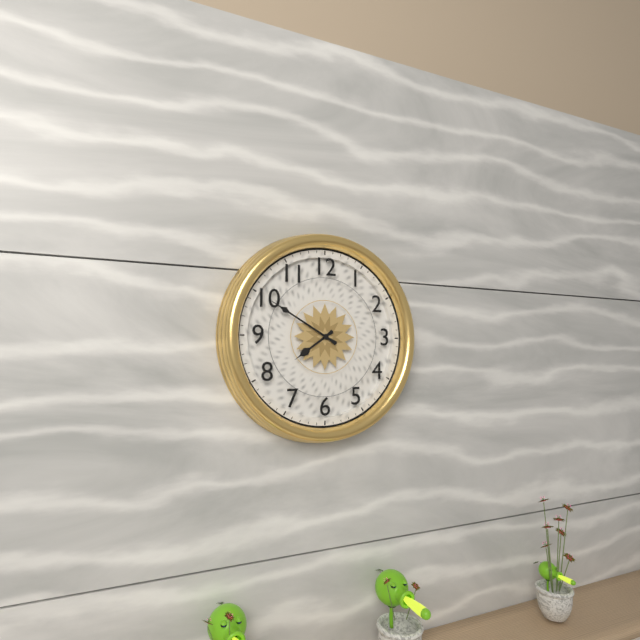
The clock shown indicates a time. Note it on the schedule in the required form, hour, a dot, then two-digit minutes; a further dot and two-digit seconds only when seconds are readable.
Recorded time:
7.50
